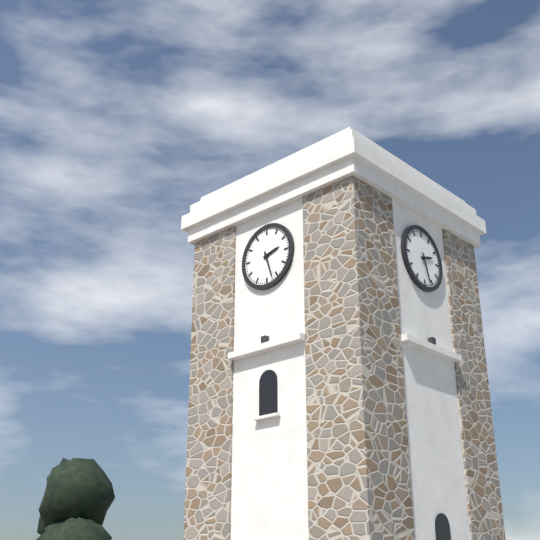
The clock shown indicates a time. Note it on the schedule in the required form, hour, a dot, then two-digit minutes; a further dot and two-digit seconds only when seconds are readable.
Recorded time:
2.27
